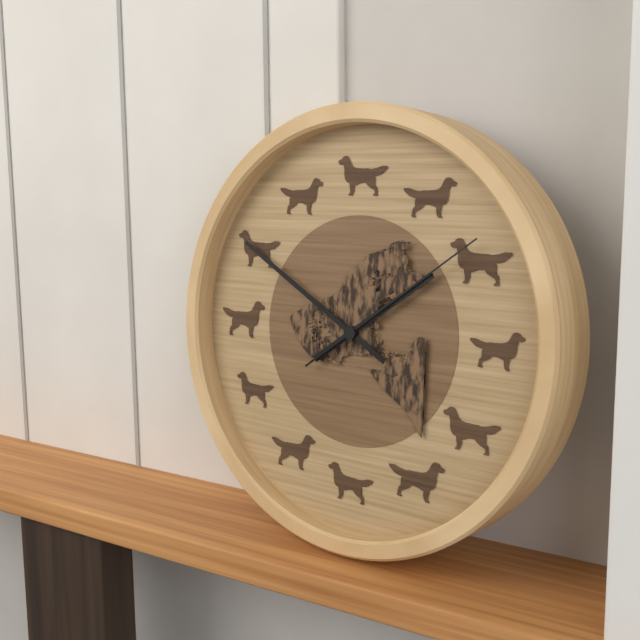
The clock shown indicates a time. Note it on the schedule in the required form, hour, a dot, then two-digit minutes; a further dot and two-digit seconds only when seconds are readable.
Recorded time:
1.50.09
